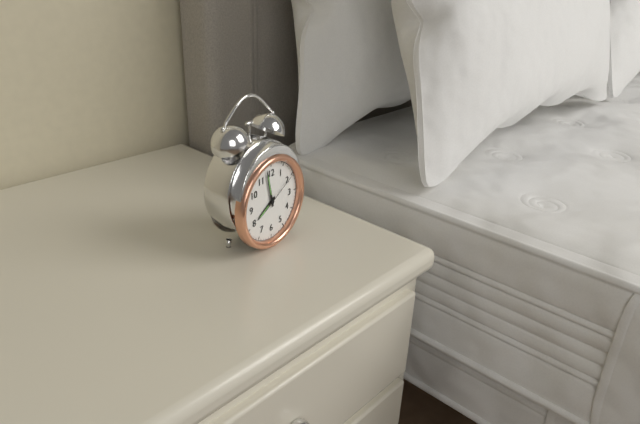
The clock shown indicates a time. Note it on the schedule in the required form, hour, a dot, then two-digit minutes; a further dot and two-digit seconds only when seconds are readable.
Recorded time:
7.58
